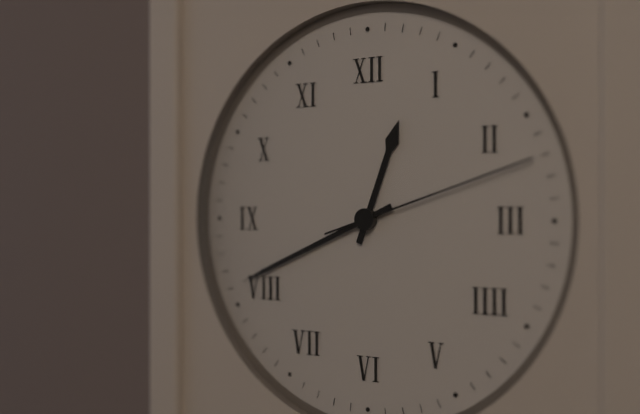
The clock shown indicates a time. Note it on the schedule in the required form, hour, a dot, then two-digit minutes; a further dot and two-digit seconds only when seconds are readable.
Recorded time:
12.41.12
